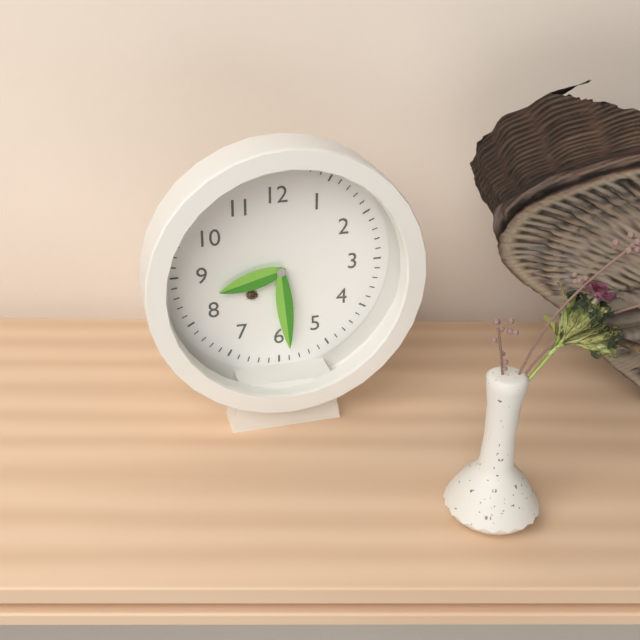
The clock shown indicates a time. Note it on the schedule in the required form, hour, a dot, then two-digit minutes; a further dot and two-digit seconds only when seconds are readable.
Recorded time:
8.29
